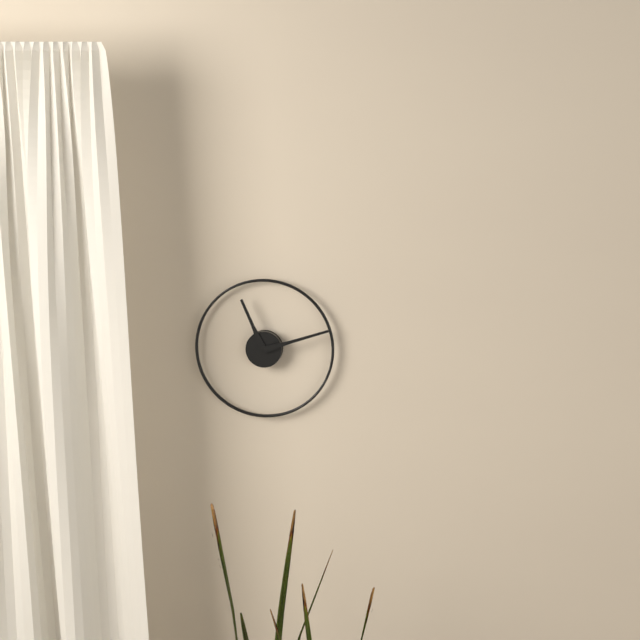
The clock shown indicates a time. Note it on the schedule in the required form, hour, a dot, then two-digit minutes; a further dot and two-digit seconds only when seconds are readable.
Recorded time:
11.12
